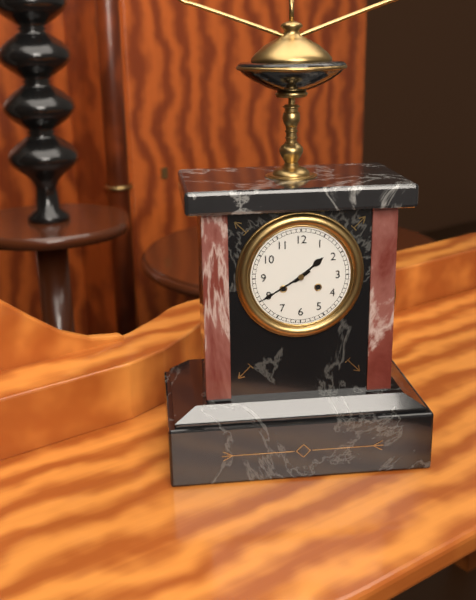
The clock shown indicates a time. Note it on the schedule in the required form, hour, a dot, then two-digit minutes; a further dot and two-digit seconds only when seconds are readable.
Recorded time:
1.40
